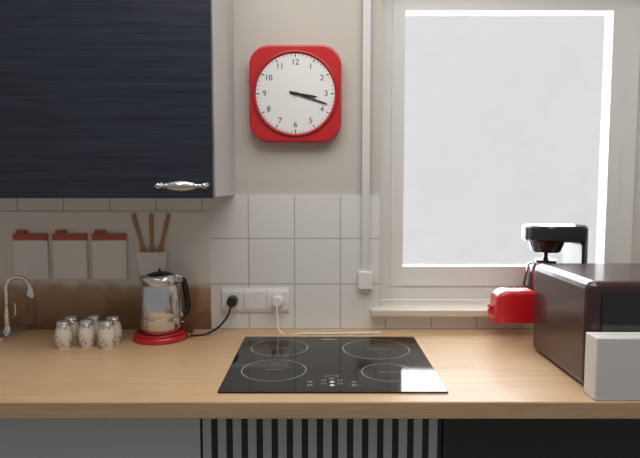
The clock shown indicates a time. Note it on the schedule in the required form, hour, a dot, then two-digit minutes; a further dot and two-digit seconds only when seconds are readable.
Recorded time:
3.18
